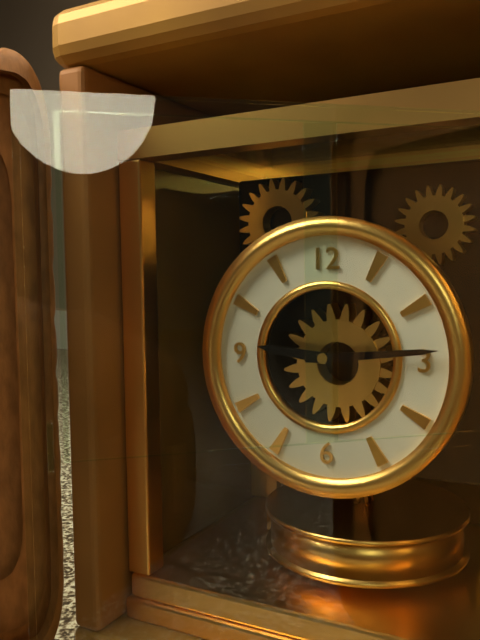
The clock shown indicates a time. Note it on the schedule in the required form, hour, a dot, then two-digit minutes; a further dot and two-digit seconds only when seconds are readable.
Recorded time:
9.14
